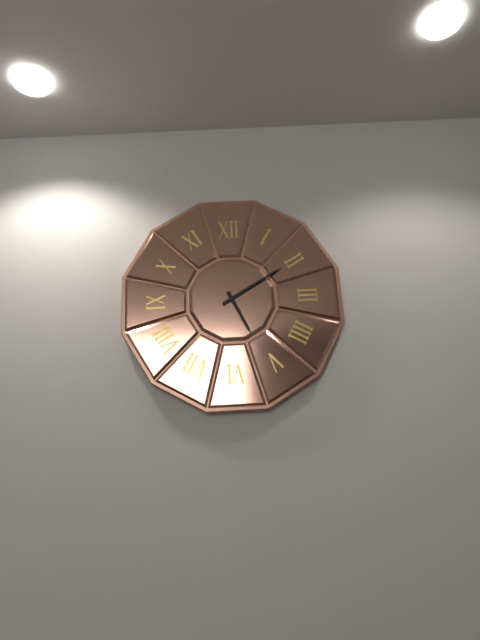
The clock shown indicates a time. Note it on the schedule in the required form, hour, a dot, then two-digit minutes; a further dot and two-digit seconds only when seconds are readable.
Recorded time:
5.10
